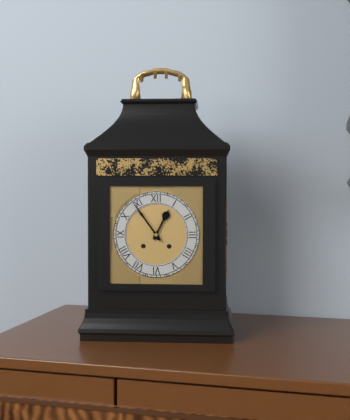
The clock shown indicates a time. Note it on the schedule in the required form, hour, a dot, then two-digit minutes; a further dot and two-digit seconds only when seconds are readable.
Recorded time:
12.54
